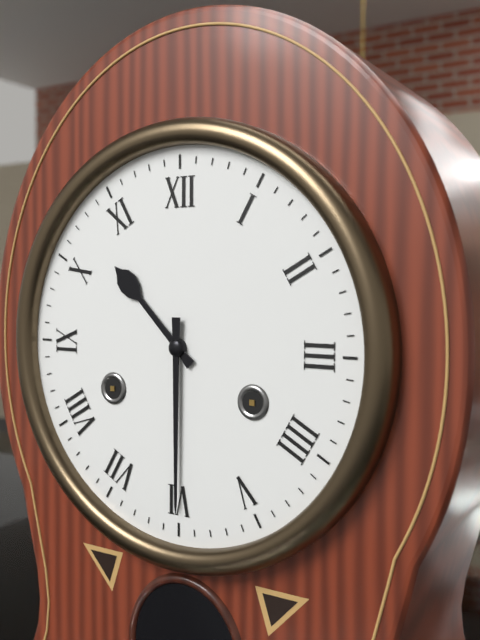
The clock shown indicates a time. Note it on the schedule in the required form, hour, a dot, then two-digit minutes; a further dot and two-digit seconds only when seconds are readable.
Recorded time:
10.30
